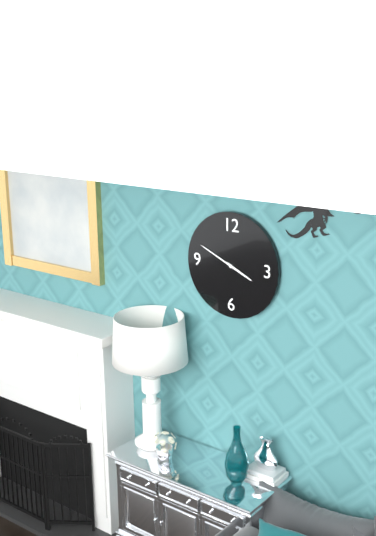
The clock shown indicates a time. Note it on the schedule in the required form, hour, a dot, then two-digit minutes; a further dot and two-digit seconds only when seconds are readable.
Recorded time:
3.49
